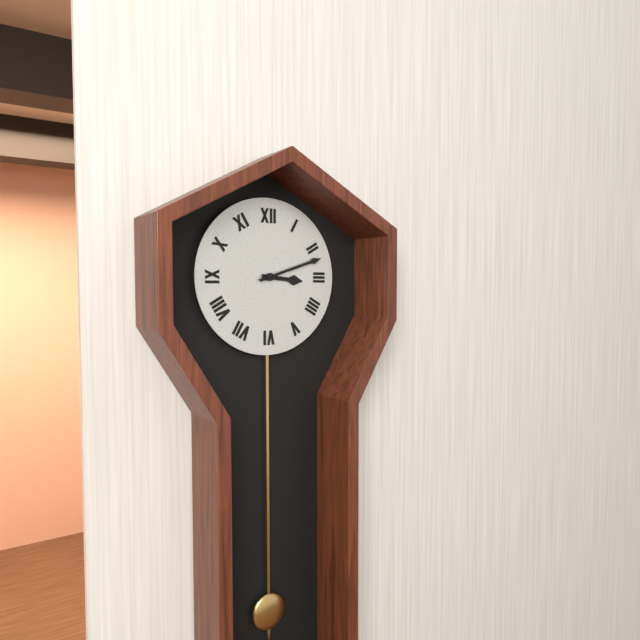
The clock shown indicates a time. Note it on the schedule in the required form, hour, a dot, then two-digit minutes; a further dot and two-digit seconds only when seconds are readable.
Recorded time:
3.12
